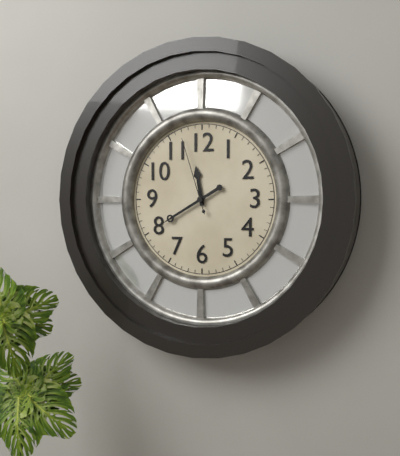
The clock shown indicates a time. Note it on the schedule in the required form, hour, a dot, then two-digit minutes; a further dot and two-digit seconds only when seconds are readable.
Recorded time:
11.40.57
